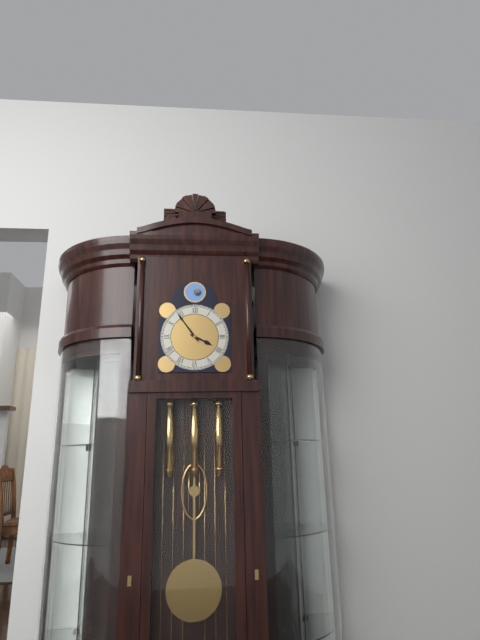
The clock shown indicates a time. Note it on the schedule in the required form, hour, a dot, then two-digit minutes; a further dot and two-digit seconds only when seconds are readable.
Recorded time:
3.54
